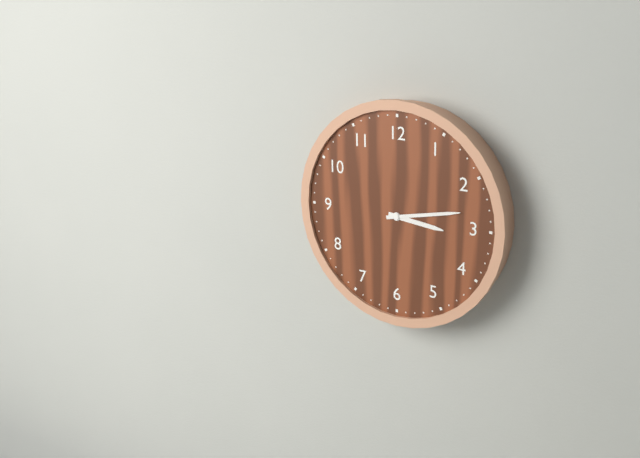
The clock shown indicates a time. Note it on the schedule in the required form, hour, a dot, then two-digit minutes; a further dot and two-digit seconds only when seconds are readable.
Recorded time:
3.13
